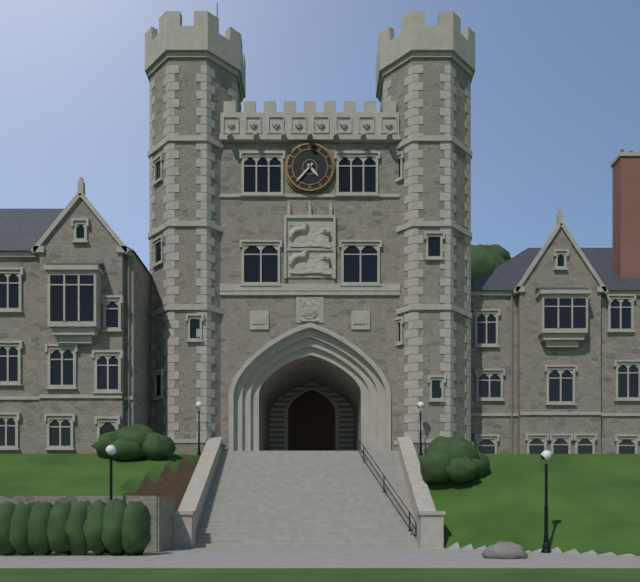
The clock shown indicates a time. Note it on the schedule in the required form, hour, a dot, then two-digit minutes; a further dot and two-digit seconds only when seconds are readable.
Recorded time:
4.37
